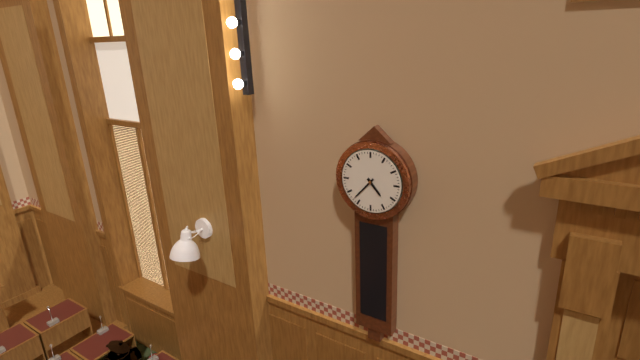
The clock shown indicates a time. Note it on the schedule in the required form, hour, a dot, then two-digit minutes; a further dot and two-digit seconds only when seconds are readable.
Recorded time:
4.37
